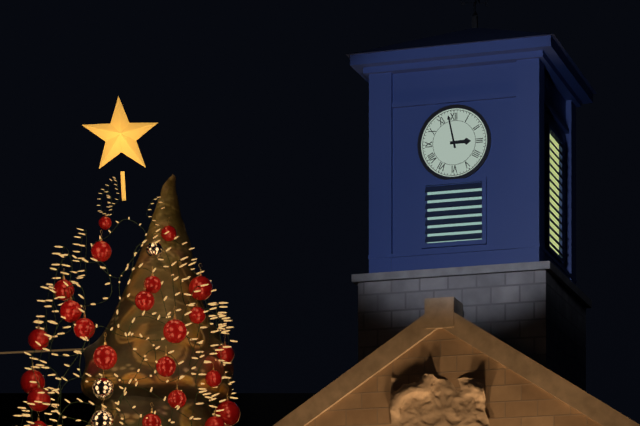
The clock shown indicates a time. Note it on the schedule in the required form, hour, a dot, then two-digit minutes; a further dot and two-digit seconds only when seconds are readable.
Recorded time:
2.58
